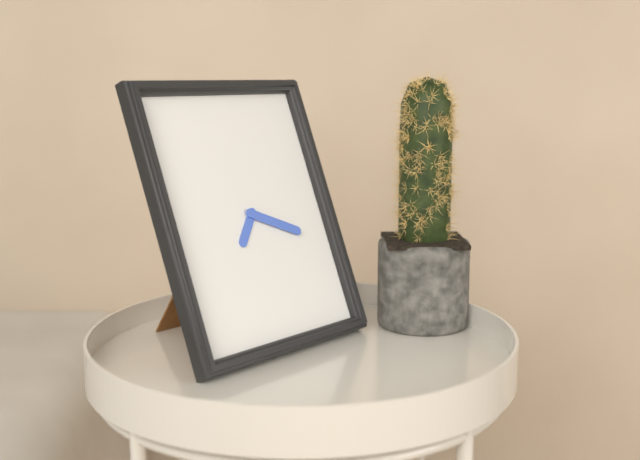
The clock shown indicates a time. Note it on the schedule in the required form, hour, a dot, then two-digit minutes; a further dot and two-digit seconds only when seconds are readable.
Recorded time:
7.19
